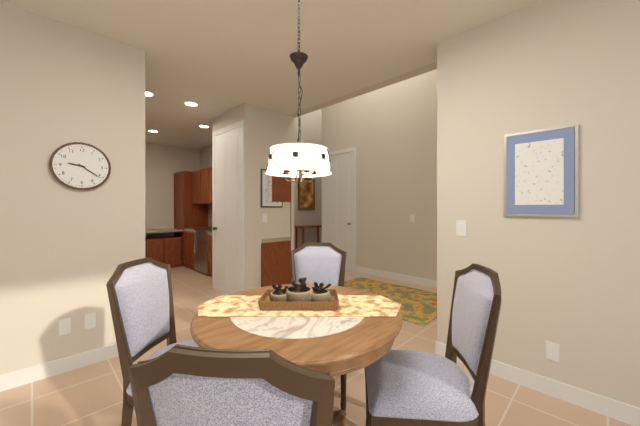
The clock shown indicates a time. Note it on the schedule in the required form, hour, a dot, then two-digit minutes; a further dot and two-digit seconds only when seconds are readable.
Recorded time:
9.21
